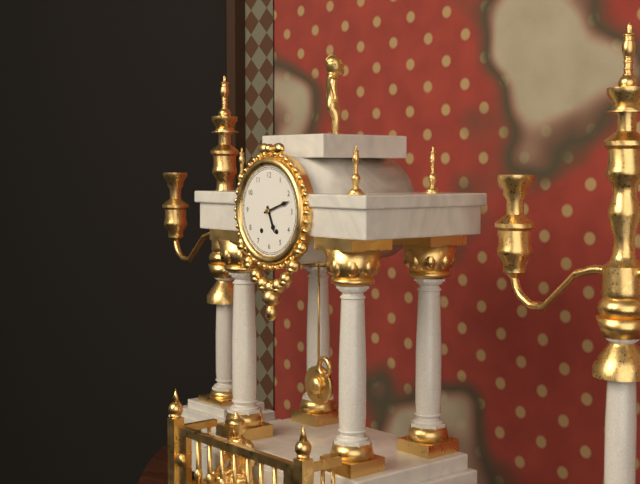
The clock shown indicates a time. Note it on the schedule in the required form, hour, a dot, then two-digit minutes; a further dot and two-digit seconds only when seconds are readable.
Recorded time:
5.12
